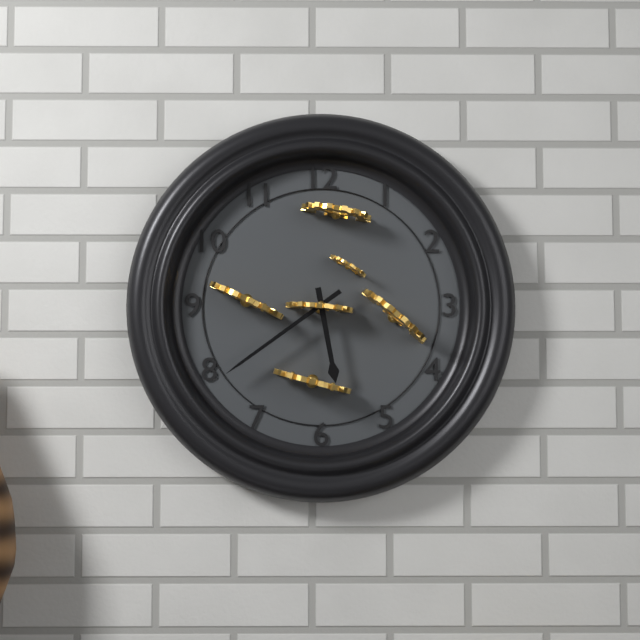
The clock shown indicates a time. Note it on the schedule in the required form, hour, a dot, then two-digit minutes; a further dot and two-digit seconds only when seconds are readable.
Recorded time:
5.39
